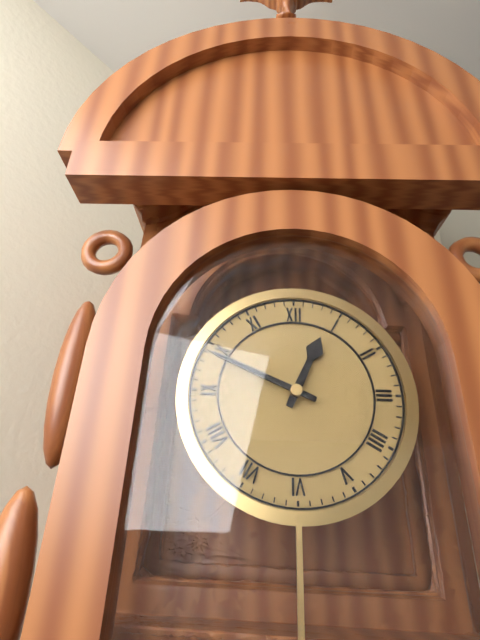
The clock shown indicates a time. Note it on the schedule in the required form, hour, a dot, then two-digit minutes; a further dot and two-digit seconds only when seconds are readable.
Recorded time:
12.49
